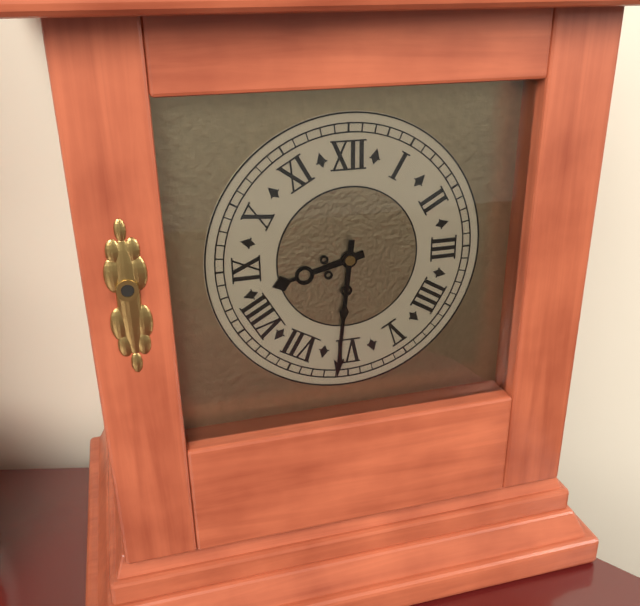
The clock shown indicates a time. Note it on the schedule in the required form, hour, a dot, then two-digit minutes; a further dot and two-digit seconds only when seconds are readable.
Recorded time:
8.31
